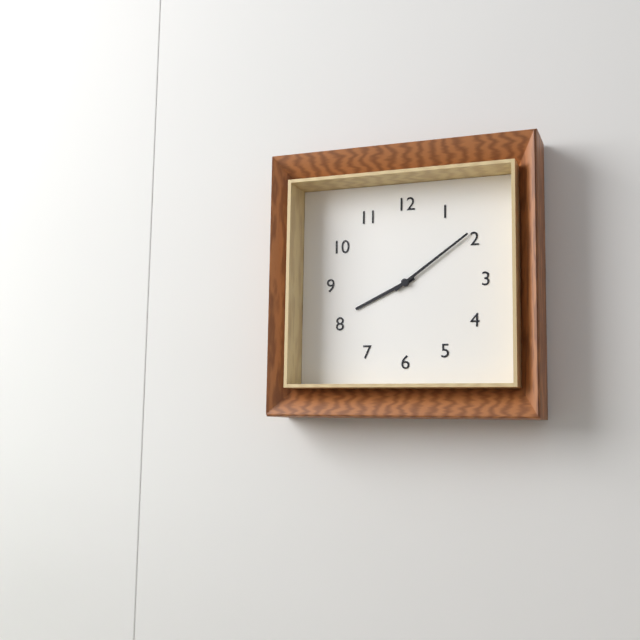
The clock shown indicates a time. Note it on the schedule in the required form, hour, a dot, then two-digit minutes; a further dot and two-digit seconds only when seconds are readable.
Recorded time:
8.09
